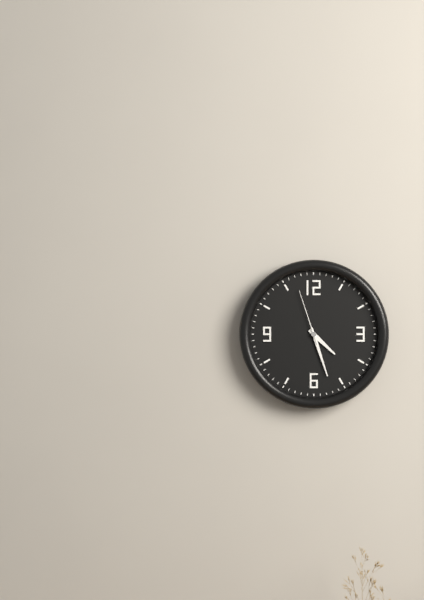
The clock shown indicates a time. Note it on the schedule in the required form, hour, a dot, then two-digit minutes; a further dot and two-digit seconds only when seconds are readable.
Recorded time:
4.27.57
